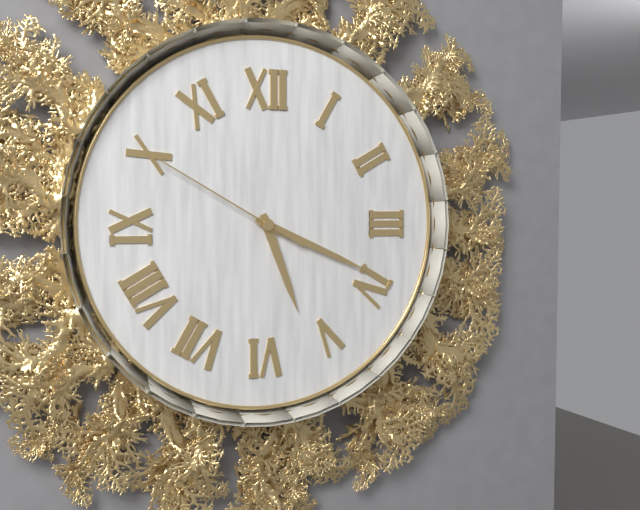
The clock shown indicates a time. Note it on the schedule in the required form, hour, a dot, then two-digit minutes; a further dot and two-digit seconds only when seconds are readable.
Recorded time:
5.19.50
